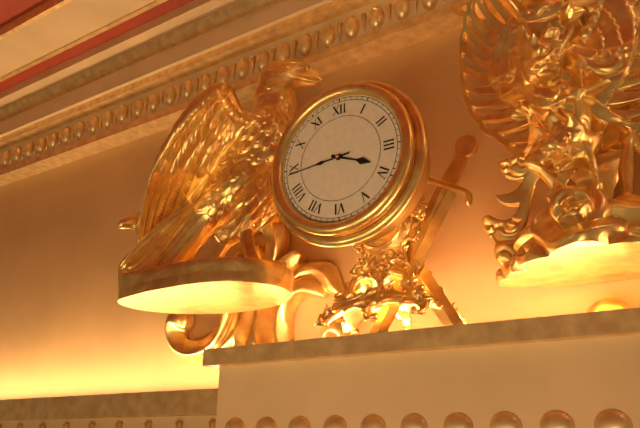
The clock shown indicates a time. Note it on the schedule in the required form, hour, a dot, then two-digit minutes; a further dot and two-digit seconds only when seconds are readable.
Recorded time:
3.44
